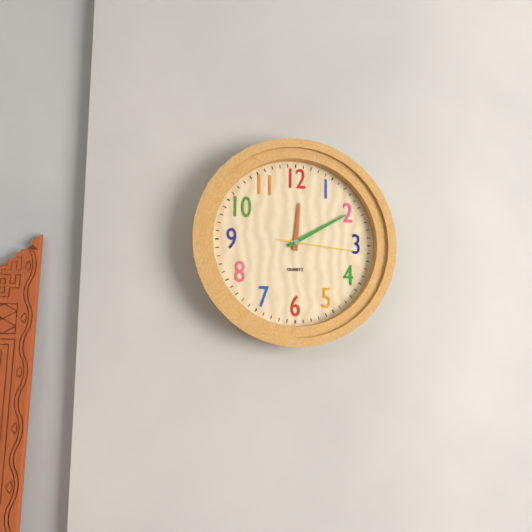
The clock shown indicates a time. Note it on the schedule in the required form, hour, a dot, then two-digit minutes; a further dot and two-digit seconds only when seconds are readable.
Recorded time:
12.10.16
